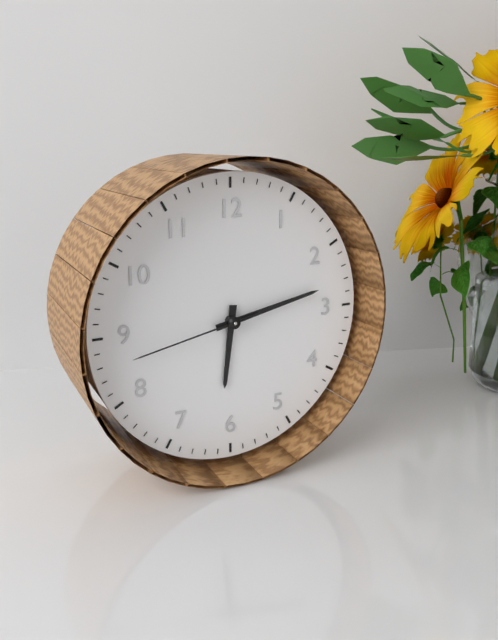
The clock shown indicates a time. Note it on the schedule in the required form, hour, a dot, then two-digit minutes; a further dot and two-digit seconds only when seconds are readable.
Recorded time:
6.13.43
